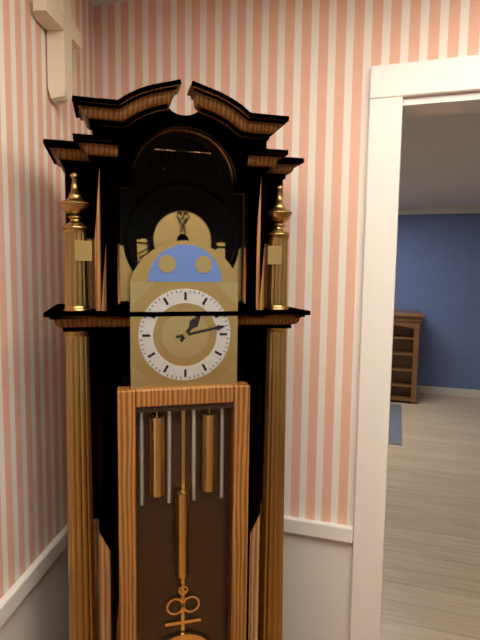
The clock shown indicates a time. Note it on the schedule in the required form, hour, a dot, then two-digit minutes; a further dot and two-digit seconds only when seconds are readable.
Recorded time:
1.13
